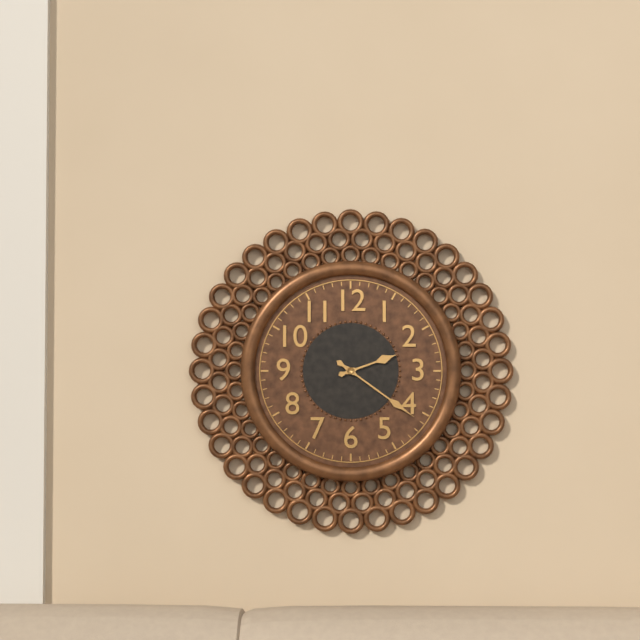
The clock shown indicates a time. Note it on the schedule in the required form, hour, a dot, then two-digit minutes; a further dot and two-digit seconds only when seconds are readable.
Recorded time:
2.21
